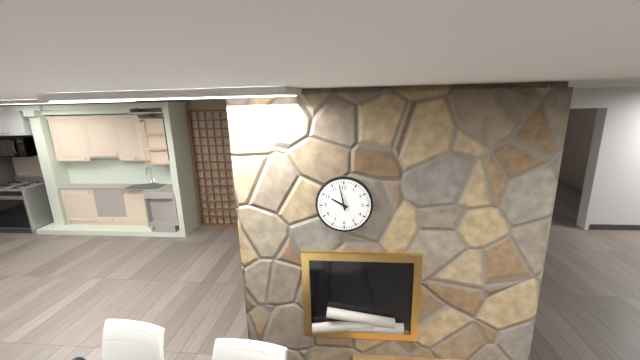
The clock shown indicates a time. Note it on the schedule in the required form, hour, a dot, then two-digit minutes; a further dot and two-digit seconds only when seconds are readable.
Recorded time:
9.58
